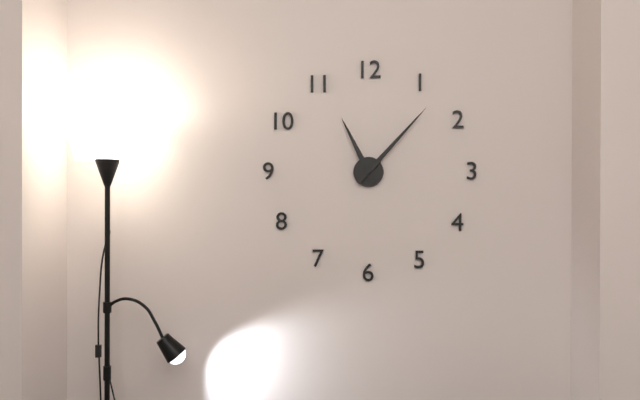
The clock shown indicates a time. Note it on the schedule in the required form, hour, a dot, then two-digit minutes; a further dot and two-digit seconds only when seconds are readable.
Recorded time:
11.07
